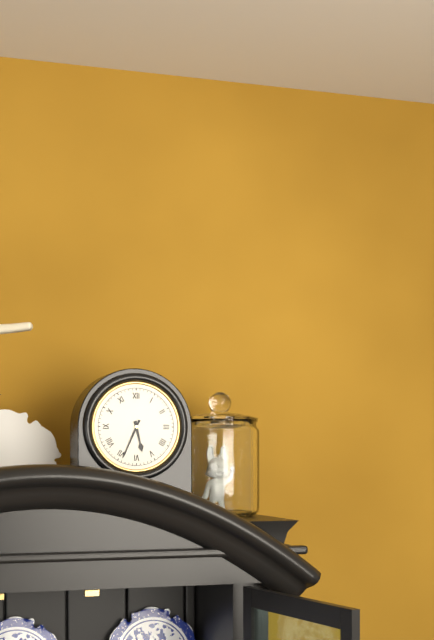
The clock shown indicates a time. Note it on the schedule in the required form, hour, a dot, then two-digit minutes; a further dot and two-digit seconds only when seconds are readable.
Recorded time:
5.34
